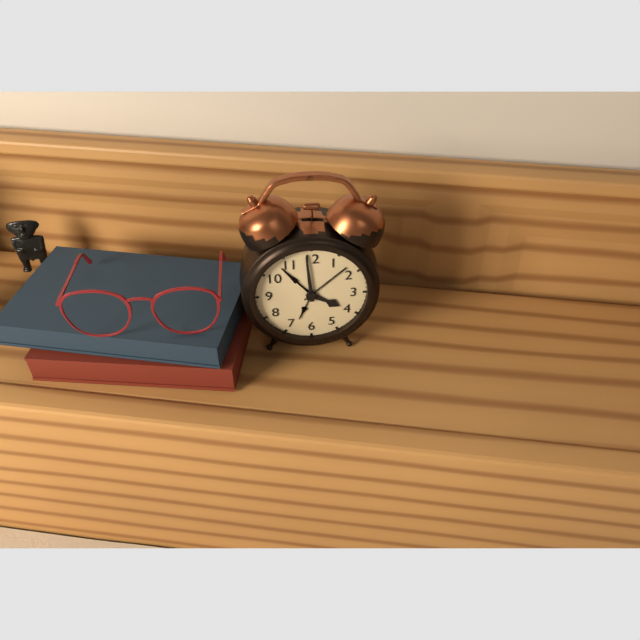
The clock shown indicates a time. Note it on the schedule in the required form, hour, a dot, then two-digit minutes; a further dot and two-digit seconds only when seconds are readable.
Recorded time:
3.59
